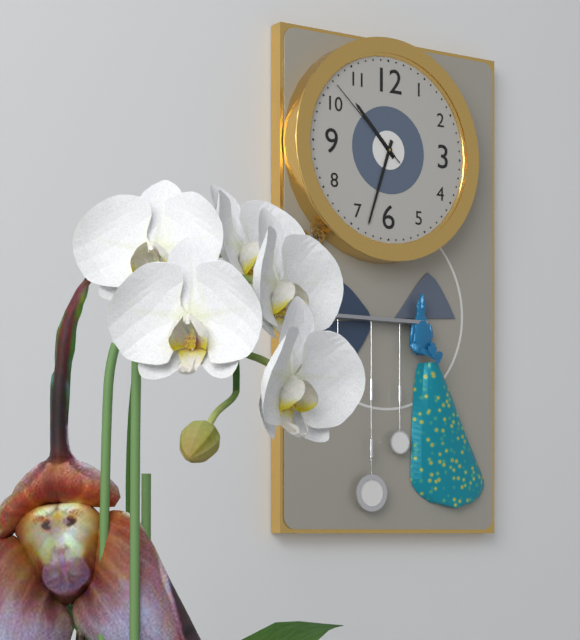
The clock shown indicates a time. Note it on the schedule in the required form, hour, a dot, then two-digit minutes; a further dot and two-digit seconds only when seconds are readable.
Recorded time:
10.33.52
